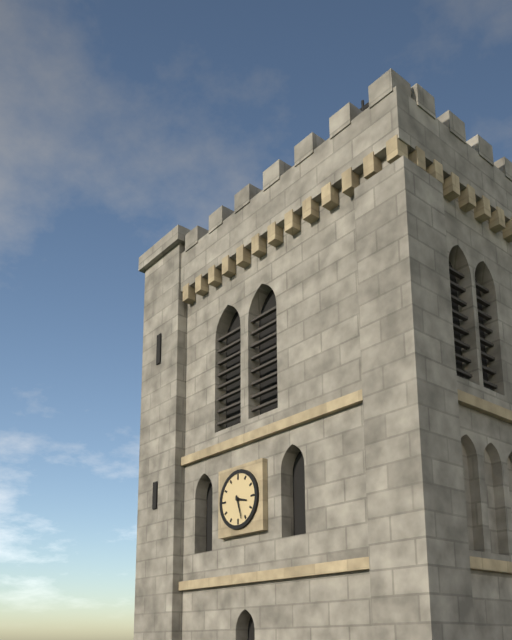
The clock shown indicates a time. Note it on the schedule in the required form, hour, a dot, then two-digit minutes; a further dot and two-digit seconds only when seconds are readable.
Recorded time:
3.27
